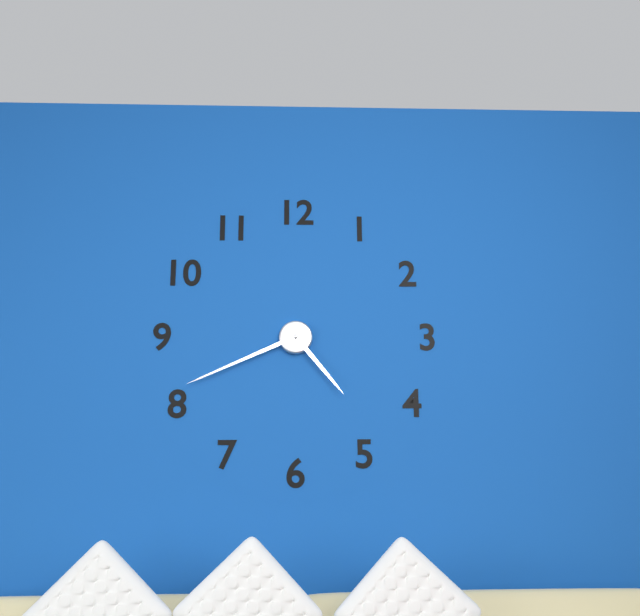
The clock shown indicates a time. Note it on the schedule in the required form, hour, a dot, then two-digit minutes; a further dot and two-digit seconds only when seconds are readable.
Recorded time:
4.41
